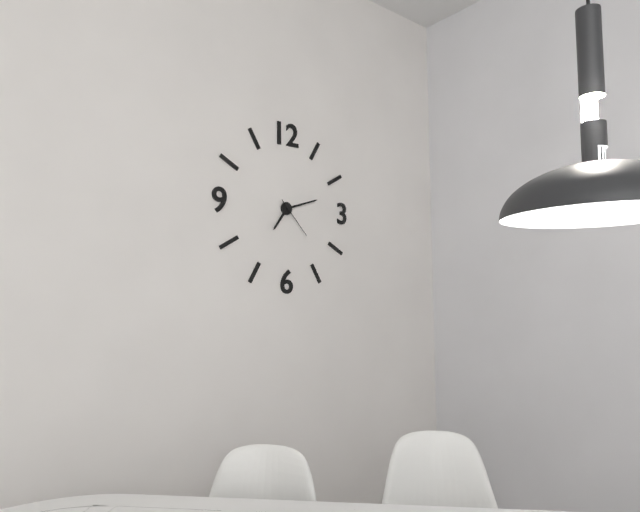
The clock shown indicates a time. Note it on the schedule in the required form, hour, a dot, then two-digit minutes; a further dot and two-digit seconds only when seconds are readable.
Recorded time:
7.12
